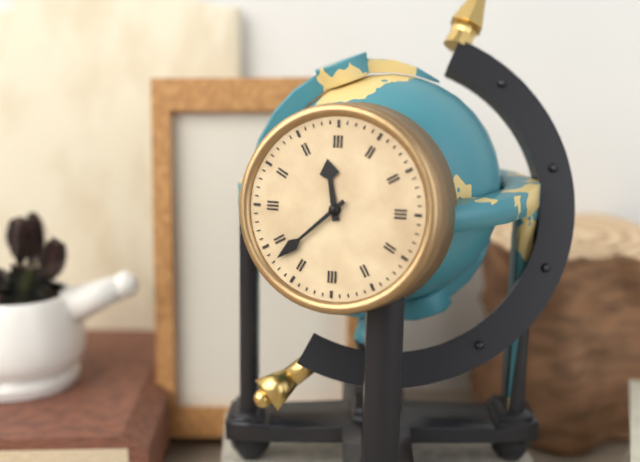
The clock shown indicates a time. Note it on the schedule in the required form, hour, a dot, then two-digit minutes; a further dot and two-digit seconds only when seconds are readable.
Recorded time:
11.38
